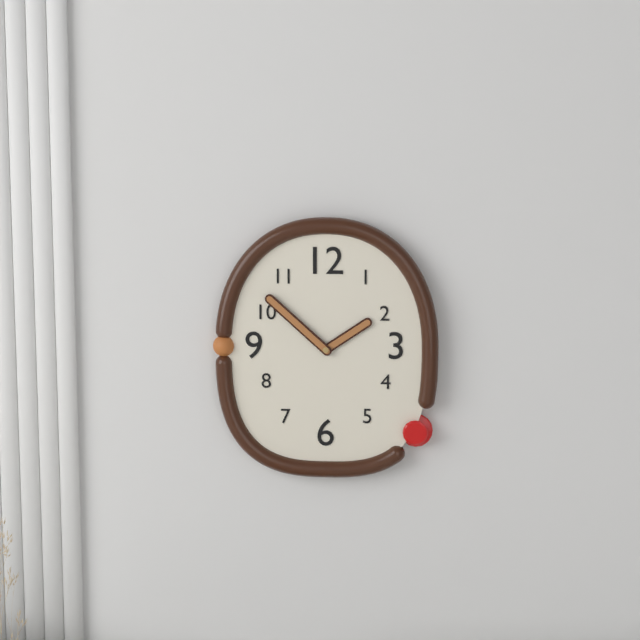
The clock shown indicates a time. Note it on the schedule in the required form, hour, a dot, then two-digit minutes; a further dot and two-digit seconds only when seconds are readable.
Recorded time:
1.52
